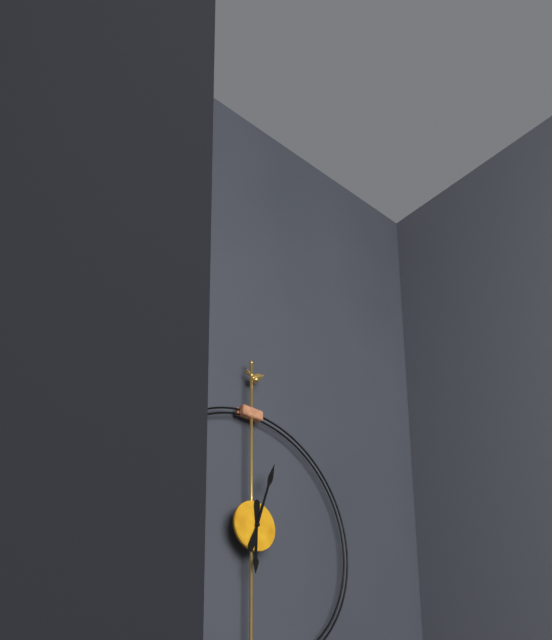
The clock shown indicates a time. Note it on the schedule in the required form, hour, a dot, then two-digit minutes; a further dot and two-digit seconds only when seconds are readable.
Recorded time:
6.03
